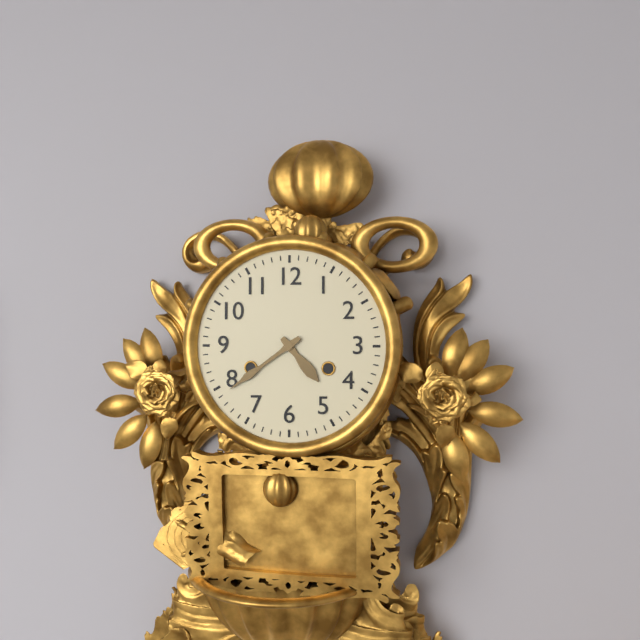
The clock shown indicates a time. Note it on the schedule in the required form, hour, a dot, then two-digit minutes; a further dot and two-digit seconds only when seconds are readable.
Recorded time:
4.39
